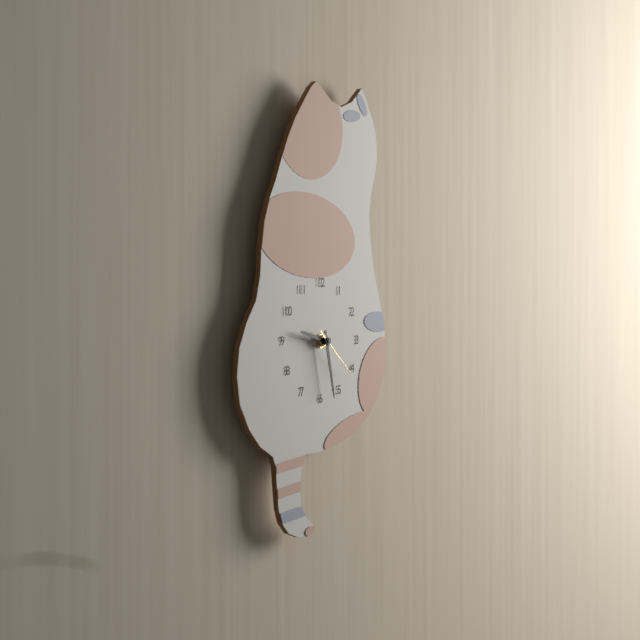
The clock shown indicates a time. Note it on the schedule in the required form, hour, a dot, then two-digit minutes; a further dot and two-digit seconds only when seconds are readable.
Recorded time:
9.28.22
